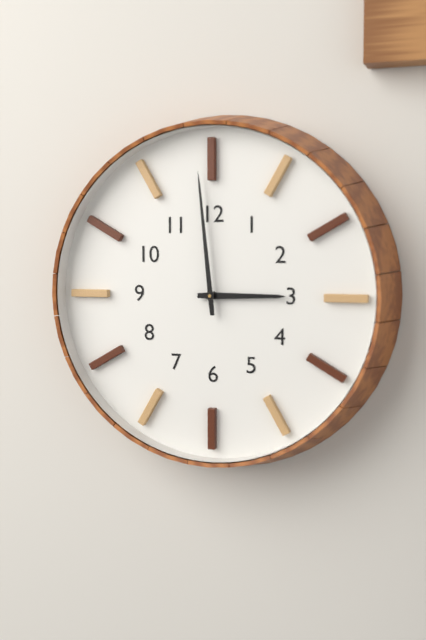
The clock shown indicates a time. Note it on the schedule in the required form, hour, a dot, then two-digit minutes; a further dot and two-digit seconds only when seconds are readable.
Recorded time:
2.59
